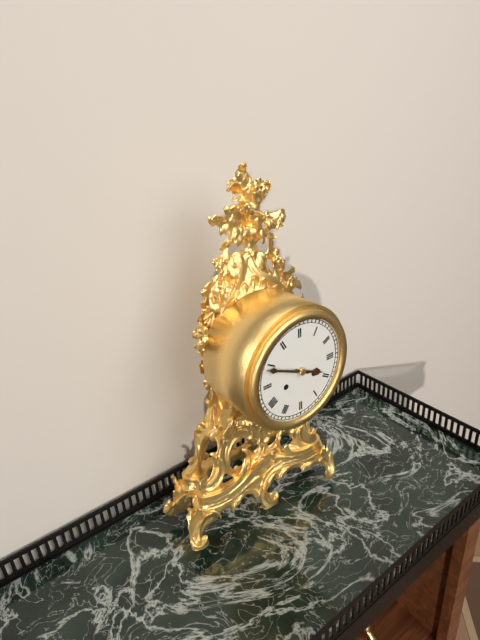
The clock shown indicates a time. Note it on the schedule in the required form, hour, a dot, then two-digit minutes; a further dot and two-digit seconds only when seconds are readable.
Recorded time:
3.49
